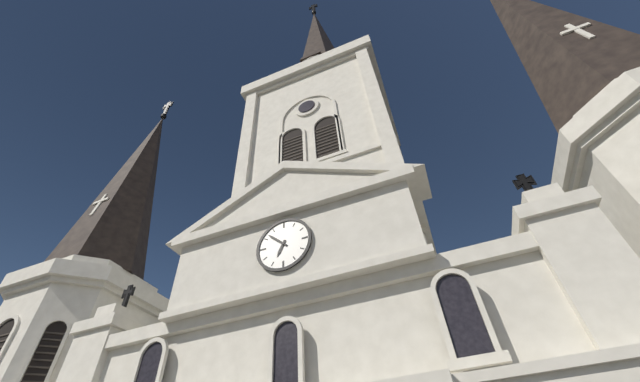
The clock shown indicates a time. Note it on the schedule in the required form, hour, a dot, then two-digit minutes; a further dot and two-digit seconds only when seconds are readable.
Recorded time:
6.52
